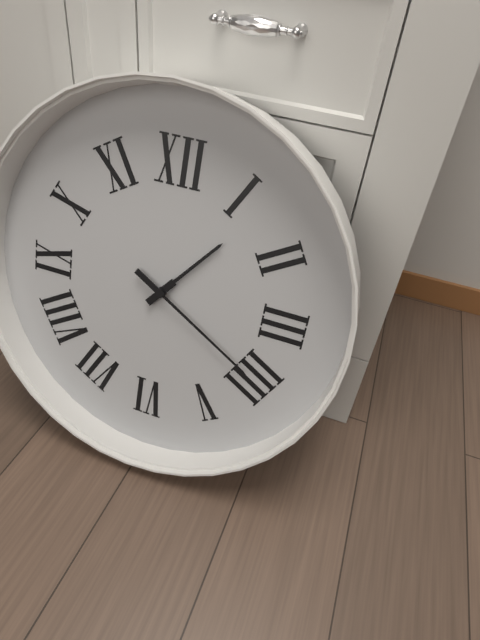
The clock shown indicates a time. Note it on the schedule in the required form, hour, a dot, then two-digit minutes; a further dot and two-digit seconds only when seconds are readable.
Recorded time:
1.20
